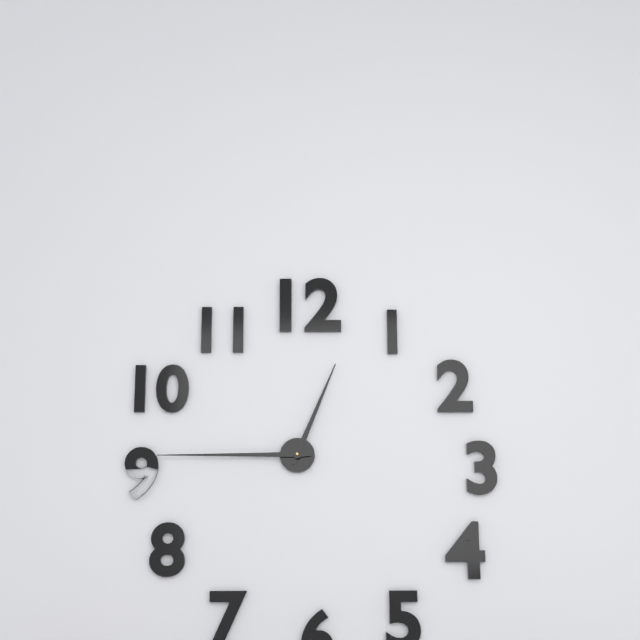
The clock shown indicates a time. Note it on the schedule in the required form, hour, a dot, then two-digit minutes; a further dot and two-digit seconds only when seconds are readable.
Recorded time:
12.45
